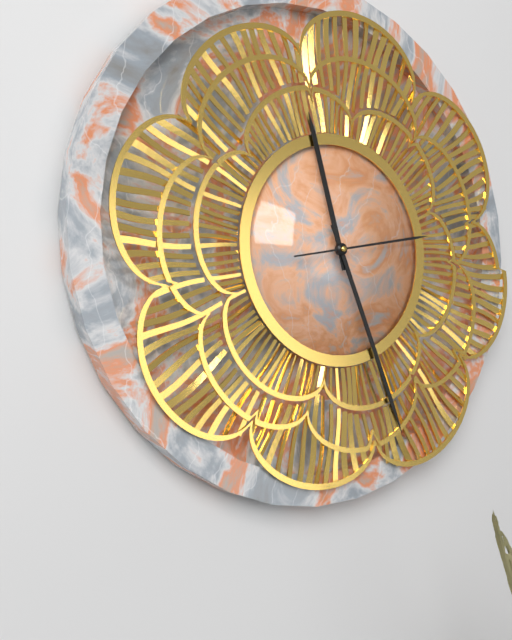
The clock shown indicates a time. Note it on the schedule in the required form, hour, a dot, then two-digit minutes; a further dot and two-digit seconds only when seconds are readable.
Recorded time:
11.26.13
